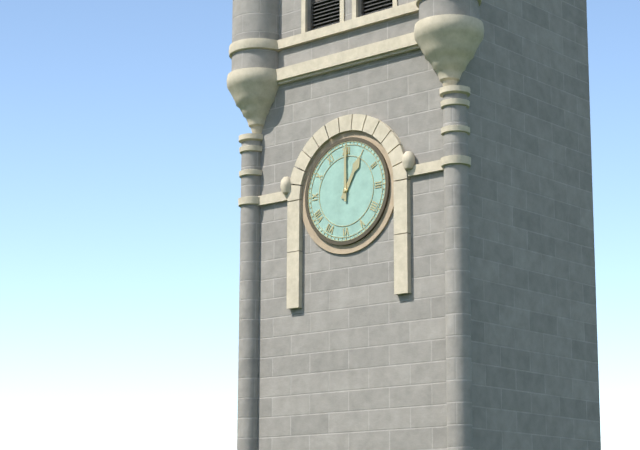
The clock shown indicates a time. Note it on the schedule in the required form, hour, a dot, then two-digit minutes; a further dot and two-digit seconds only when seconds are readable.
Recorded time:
1.00
